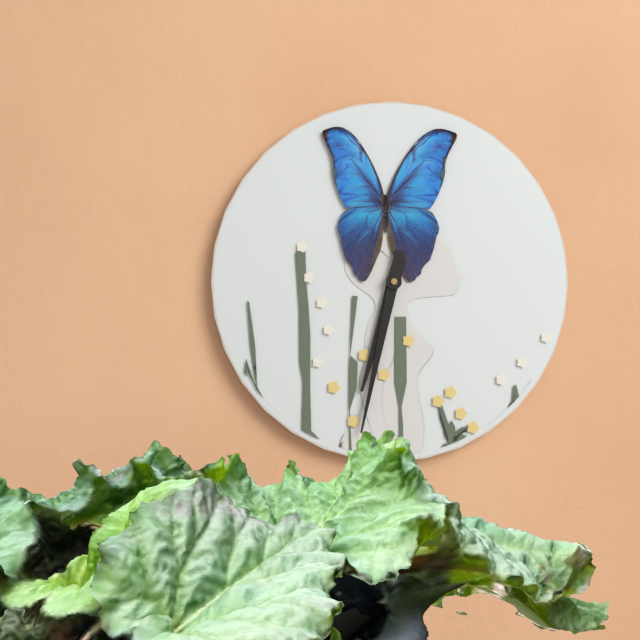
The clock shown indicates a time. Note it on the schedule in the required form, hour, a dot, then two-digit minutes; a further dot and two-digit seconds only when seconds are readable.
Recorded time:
6.32
